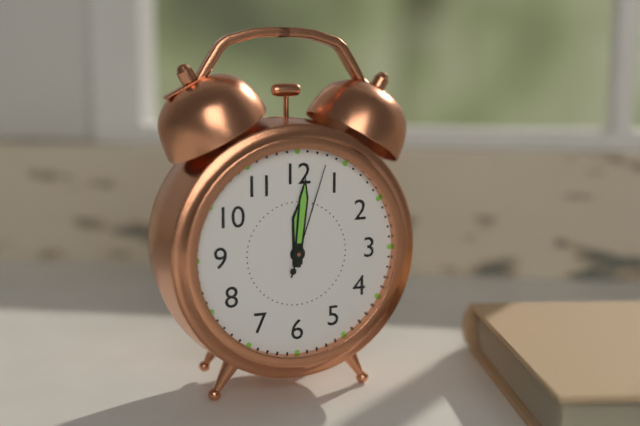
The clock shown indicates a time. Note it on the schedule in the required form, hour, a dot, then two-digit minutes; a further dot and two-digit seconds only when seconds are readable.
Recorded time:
12.01.03
